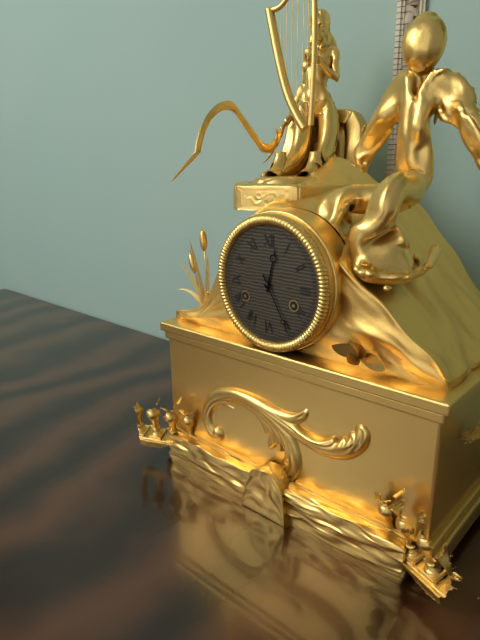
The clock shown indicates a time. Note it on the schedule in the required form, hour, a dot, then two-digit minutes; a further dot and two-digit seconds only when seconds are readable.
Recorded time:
12.25
